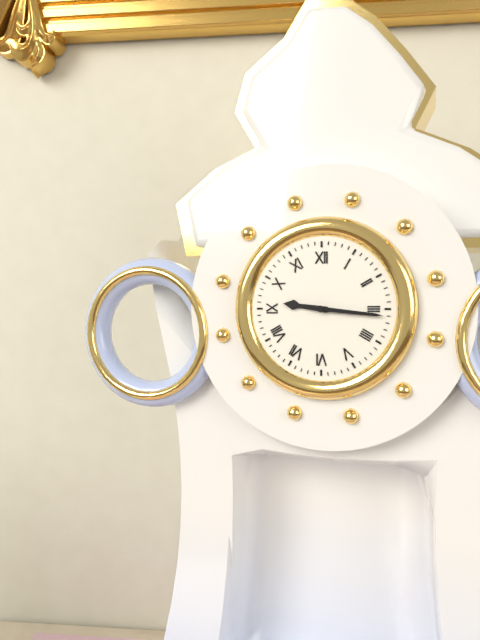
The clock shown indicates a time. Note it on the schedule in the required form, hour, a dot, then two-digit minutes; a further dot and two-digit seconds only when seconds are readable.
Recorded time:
9.16
